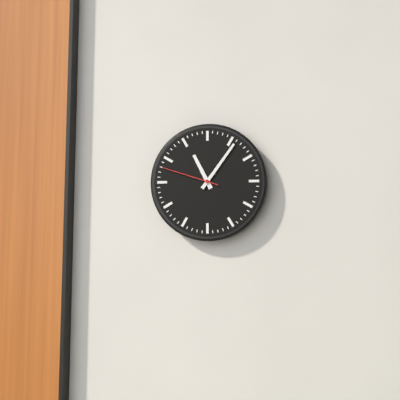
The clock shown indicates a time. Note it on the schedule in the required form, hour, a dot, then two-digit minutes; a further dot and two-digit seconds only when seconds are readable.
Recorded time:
11.06.48
